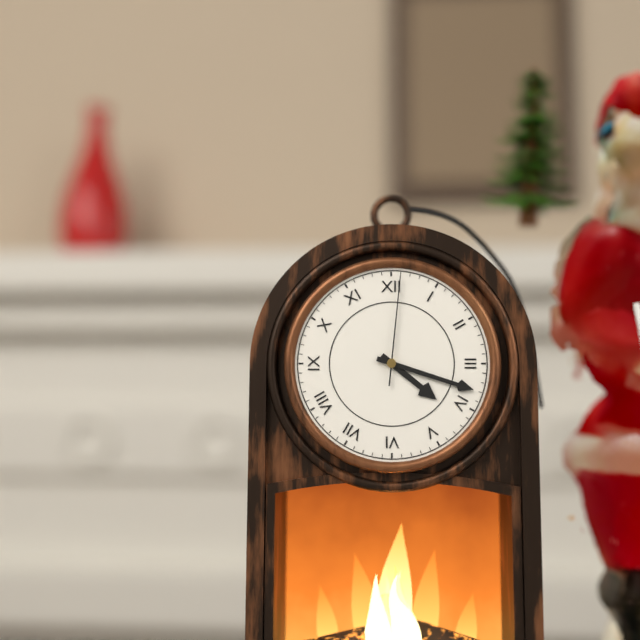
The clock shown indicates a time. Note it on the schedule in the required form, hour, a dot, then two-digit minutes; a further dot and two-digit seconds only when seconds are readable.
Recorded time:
4.18.01
